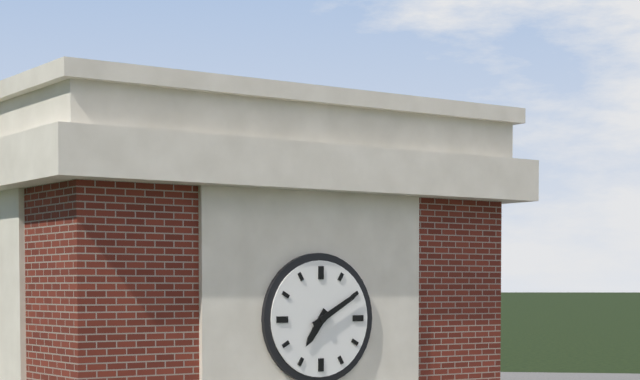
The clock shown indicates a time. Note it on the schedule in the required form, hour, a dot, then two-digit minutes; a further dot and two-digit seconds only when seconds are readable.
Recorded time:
7.10
